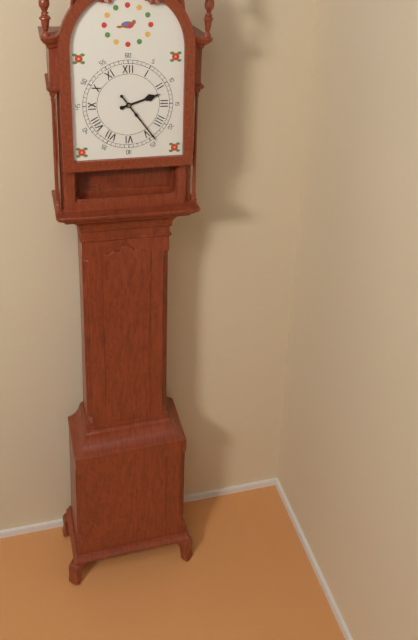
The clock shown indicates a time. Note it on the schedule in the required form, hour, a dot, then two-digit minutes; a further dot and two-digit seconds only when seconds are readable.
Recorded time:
2.24
